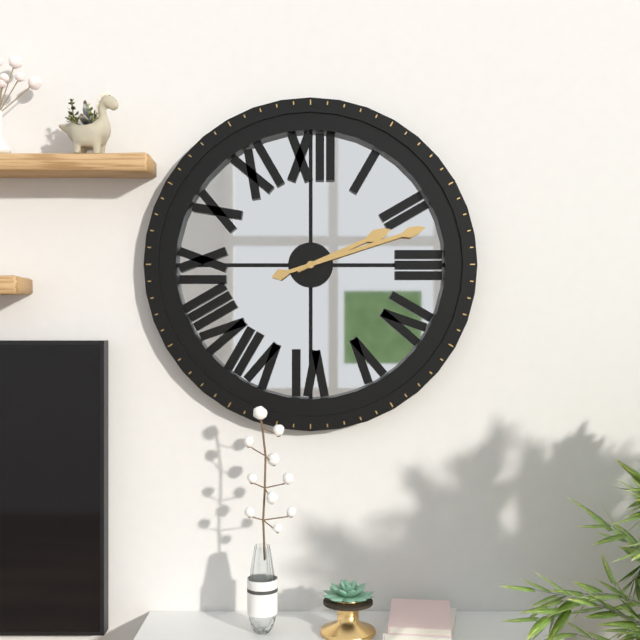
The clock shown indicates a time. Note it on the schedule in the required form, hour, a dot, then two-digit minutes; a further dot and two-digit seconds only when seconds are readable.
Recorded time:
2.12
